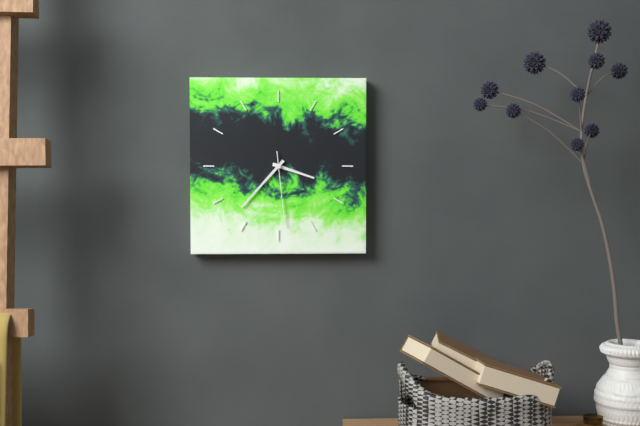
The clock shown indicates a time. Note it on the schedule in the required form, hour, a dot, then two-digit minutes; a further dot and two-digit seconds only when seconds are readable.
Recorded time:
3.37.29
